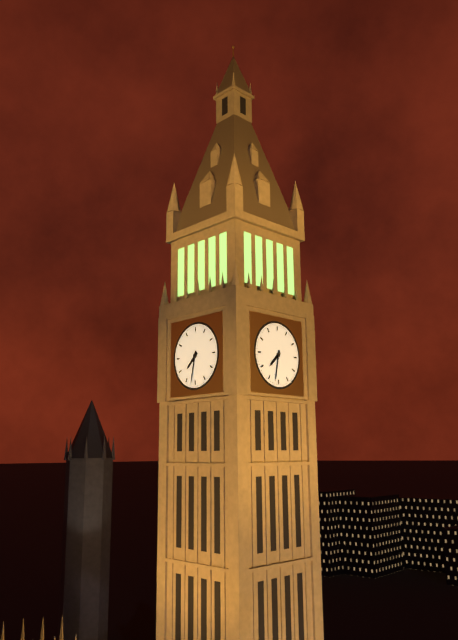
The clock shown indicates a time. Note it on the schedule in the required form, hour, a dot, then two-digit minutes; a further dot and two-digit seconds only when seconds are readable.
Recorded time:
7.32
